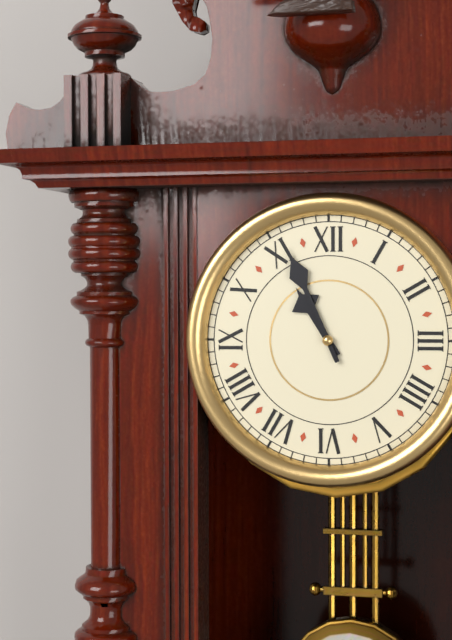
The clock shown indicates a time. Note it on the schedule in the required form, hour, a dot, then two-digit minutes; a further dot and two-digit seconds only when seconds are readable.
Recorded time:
10.56
